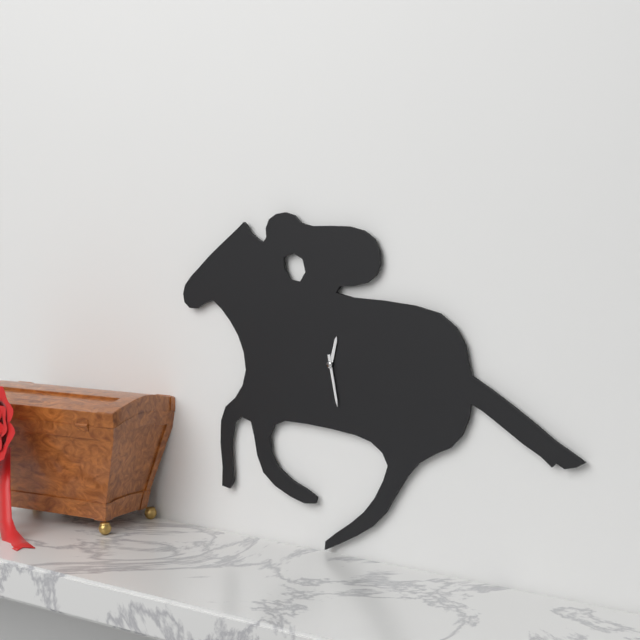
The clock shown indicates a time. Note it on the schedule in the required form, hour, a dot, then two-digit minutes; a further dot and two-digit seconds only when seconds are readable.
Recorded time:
12.28
